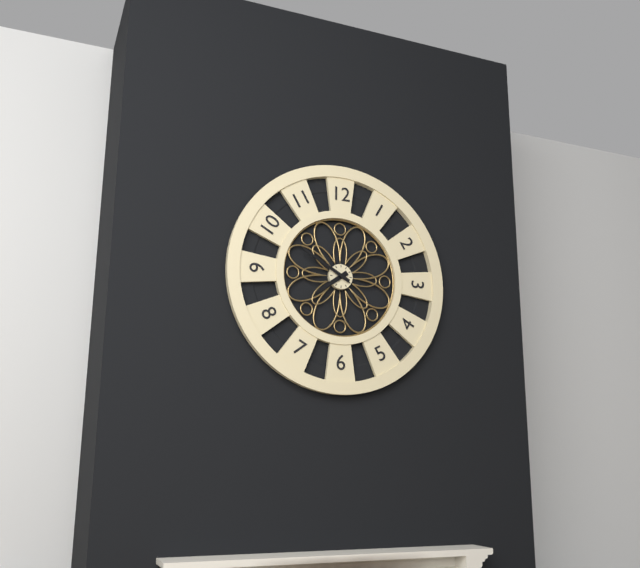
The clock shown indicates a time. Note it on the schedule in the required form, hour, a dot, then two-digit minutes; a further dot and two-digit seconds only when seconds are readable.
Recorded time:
7.50
